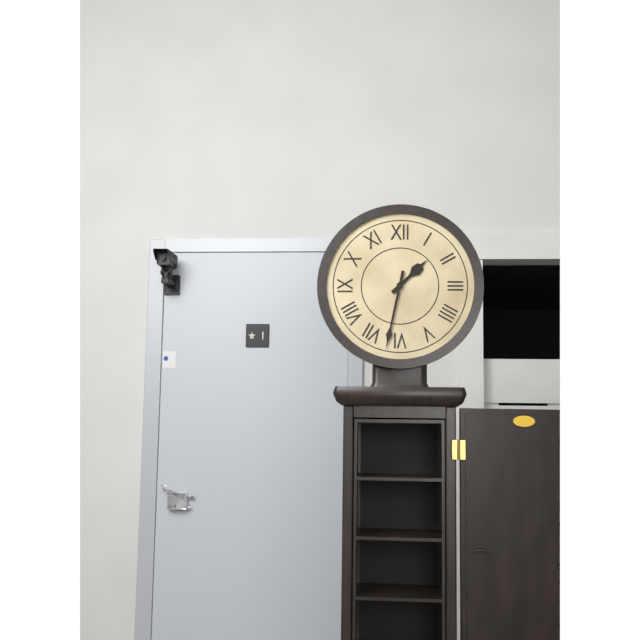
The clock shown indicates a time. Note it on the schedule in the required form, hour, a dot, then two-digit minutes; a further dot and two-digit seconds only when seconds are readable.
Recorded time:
1.32
